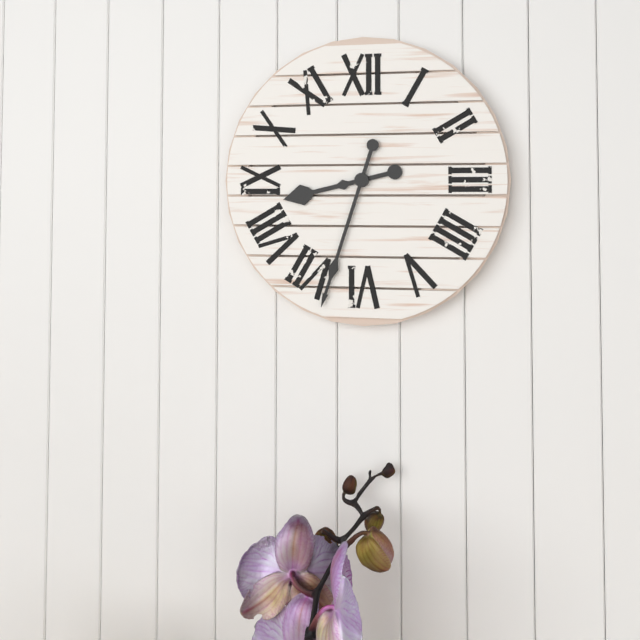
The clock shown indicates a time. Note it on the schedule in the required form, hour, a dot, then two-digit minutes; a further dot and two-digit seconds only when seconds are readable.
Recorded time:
8.33
